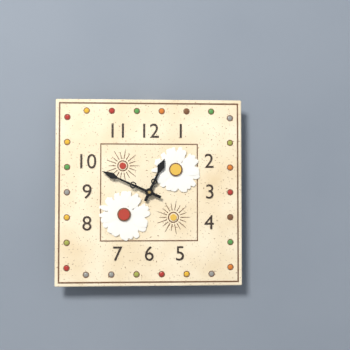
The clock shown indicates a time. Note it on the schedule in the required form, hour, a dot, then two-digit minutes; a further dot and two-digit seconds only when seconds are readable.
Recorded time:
12.49
